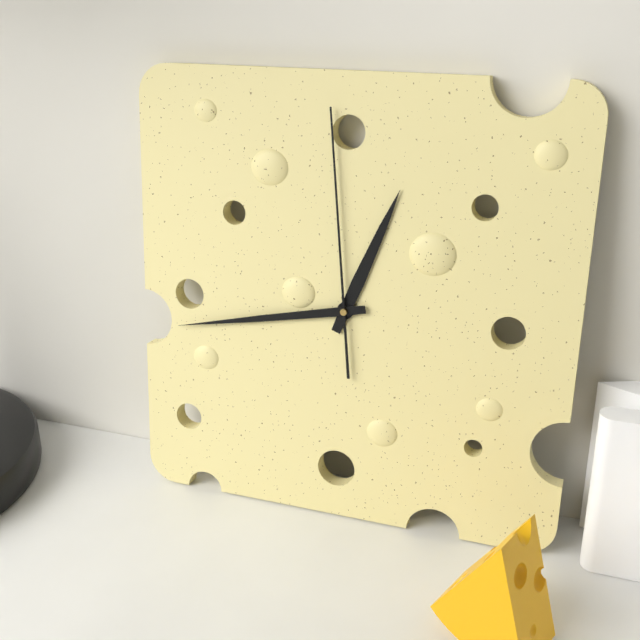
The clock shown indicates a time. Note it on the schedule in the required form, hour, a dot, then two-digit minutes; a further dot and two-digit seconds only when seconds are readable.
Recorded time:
12.43.59
